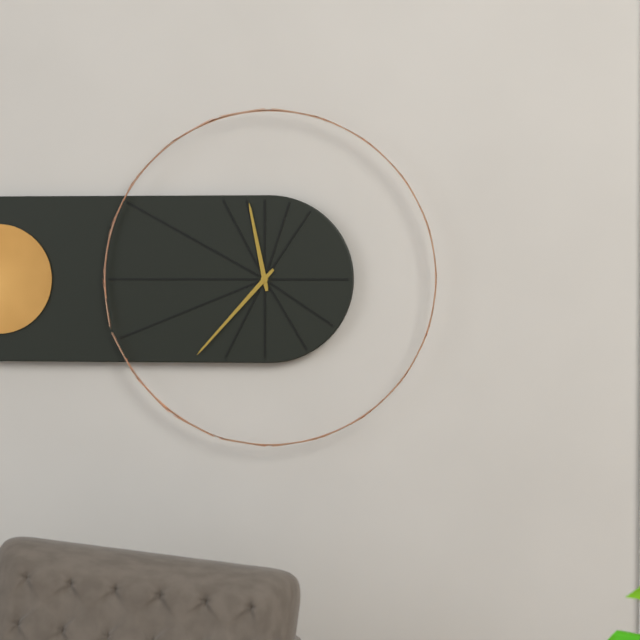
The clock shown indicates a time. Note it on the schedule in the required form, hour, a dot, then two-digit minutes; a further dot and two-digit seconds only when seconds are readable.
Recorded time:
11.37
